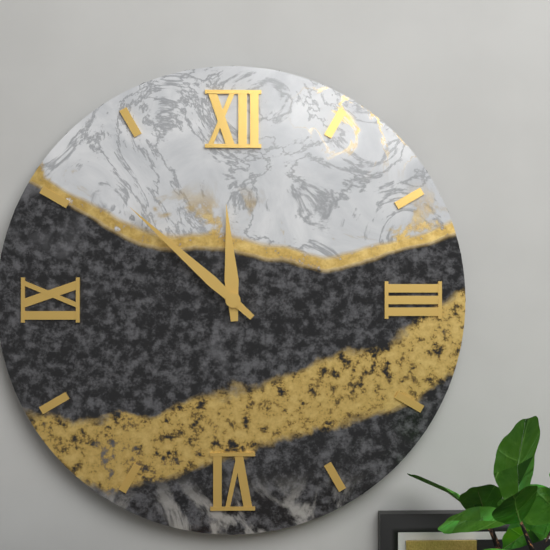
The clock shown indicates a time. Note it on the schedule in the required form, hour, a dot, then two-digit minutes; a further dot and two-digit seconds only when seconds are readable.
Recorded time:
11.52
